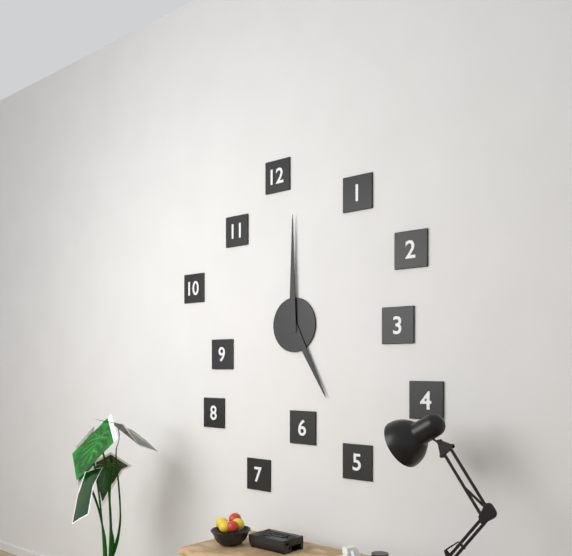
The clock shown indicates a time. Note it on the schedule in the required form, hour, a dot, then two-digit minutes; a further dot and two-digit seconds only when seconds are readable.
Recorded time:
5.00
